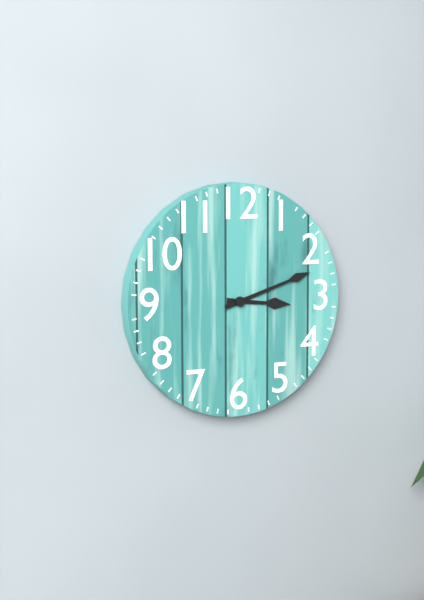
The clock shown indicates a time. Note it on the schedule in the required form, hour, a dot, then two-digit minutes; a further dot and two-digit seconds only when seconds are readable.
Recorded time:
3.12
